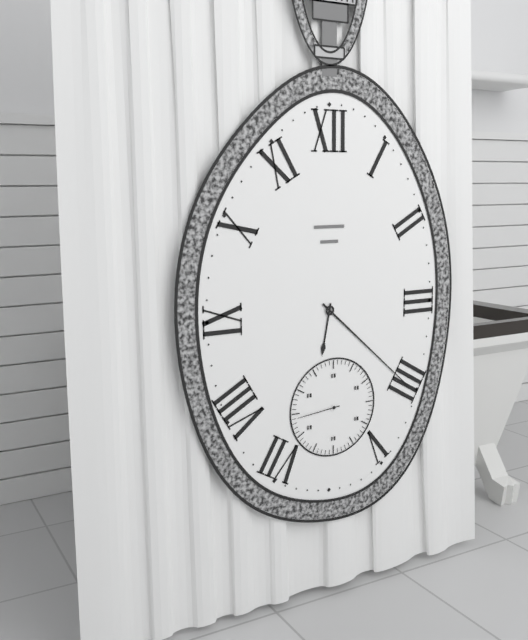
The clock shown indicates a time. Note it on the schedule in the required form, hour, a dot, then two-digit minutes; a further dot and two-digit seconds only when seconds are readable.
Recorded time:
6.22
